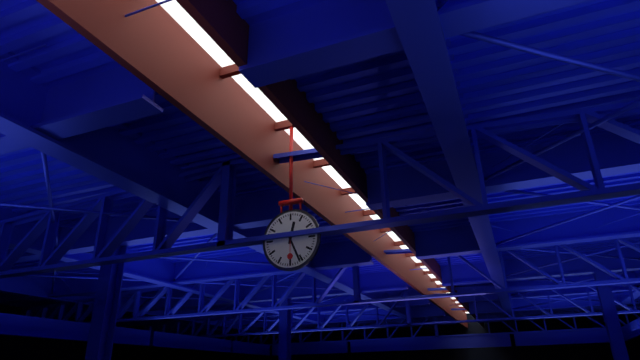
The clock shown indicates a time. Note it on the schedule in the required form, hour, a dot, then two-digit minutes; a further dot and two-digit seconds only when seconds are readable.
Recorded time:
12.26
